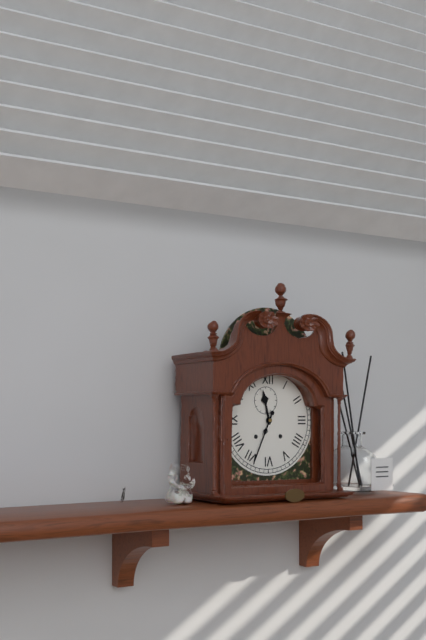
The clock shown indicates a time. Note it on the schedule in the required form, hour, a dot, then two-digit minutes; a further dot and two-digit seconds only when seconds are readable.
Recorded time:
11.34
